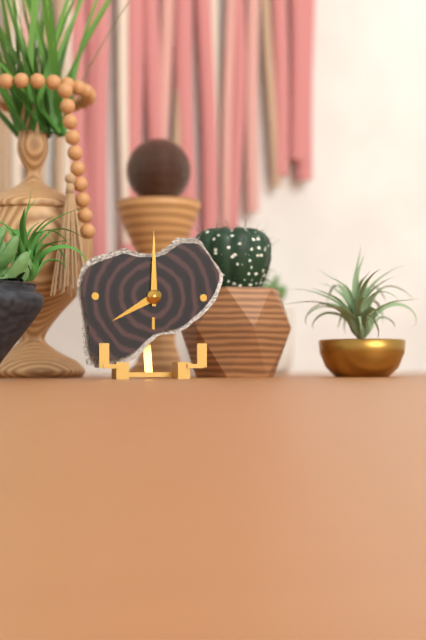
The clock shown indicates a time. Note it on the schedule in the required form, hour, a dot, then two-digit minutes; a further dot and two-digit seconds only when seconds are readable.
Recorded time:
8.00
